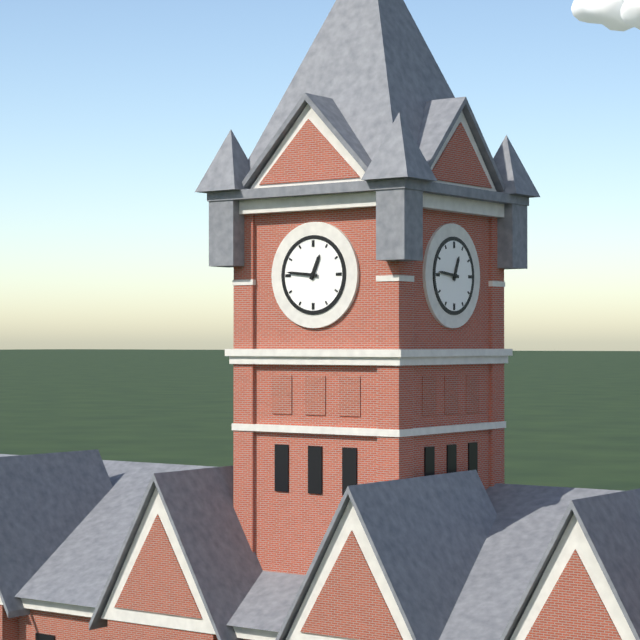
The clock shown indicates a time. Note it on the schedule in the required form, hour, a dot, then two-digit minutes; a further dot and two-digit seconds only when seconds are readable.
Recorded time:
12.46
